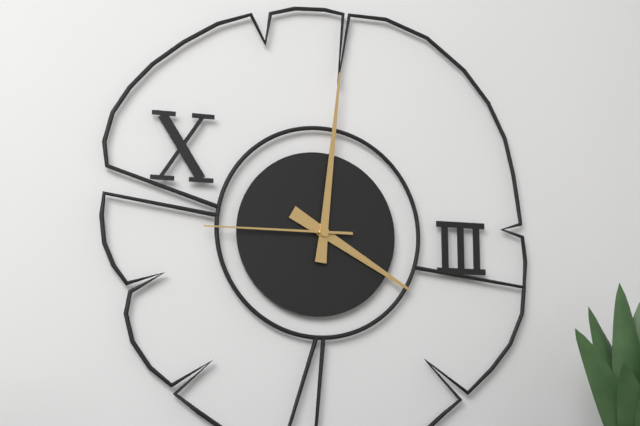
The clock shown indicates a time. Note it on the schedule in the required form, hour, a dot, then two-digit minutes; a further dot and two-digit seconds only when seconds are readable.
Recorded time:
4.01.45
